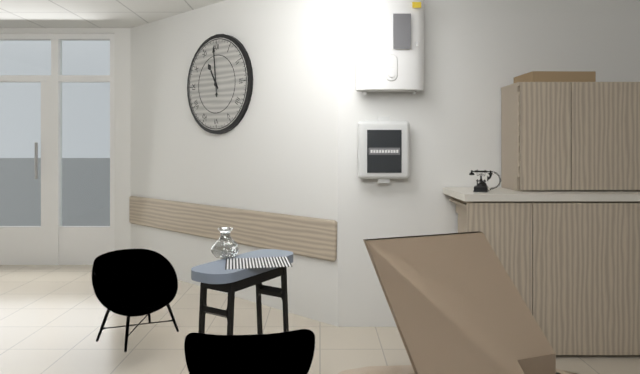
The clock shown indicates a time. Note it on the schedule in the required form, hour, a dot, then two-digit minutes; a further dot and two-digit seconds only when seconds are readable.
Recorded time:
10.59
